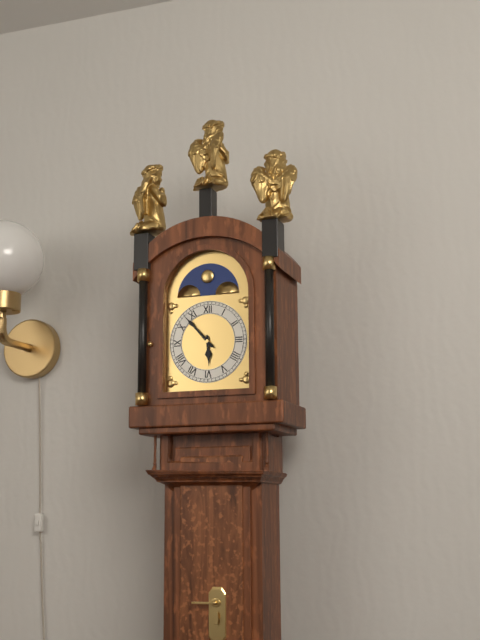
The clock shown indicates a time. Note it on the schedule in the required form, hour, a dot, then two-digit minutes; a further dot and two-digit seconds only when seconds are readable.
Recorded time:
5.53
